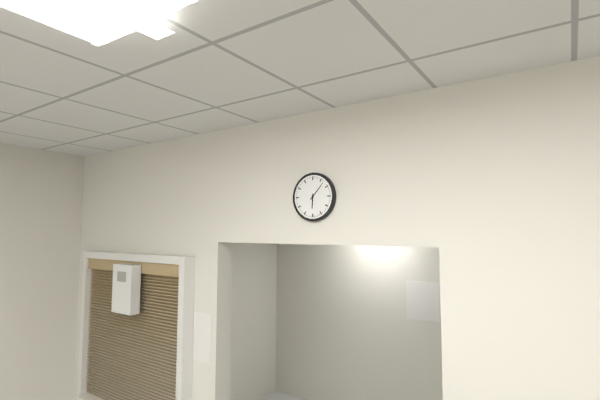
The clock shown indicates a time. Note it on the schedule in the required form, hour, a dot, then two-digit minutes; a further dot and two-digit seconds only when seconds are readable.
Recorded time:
6.07
